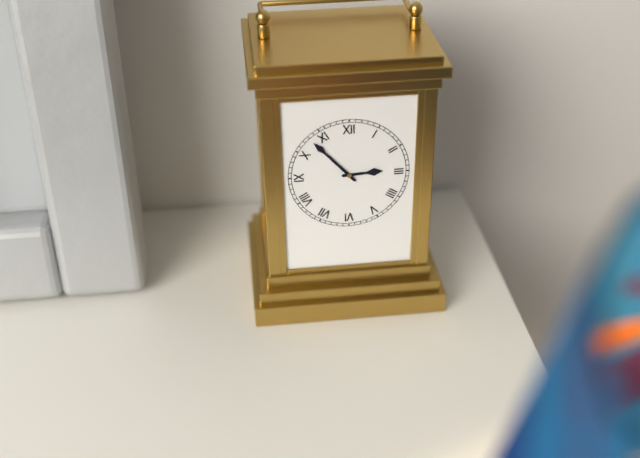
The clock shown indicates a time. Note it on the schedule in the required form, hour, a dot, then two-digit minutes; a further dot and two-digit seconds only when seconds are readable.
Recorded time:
2.53
